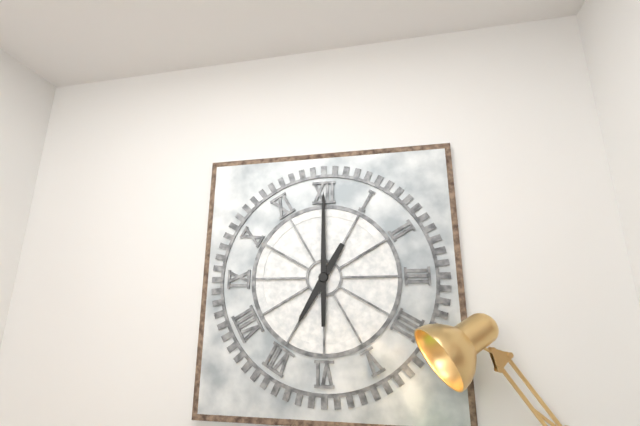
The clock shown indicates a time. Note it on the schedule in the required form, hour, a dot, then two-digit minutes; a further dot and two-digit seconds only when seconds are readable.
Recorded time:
7.00
